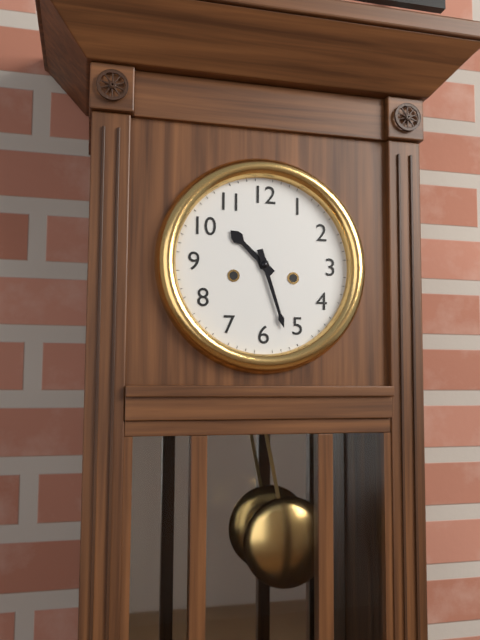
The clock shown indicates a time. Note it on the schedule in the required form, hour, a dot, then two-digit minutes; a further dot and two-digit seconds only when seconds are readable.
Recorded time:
10.27
